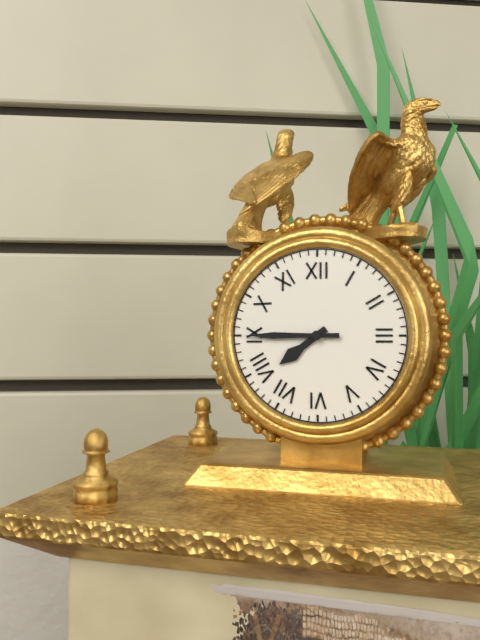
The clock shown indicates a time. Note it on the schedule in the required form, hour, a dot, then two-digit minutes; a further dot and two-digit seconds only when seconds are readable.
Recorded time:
7.45
